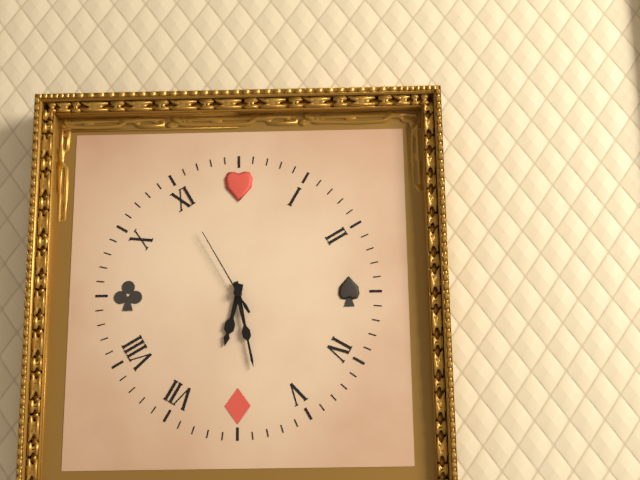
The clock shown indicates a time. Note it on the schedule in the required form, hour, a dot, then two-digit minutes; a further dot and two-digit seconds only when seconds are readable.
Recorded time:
6.28.55
